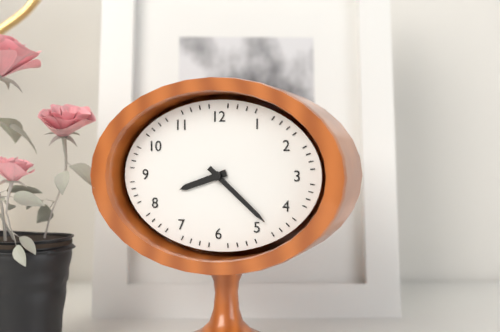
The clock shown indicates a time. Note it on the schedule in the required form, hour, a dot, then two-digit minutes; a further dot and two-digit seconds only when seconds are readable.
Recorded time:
8.22
